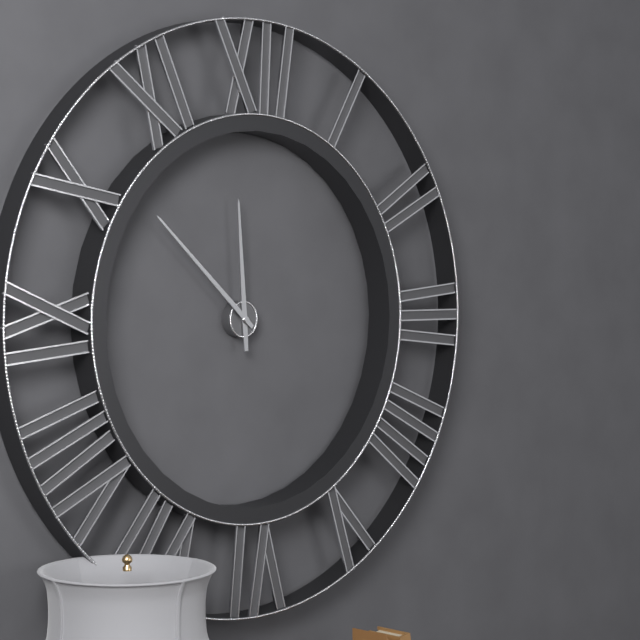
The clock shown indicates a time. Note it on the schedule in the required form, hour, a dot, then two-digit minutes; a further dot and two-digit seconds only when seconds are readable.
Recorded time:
11.52
